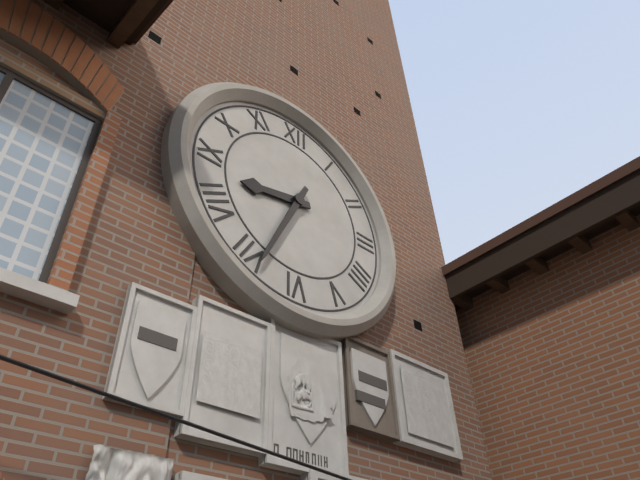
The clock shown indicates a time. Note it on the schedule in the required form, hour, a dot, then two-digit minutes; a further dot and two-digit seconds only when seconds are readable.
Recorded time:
8.34
